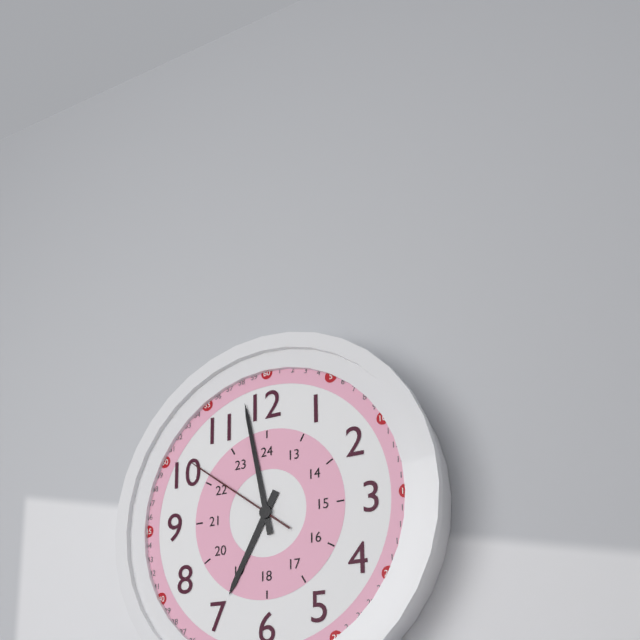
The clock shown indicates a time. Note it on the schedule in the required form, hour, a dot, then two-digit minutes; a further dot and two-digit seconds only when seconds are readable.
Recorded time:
6.58.51
